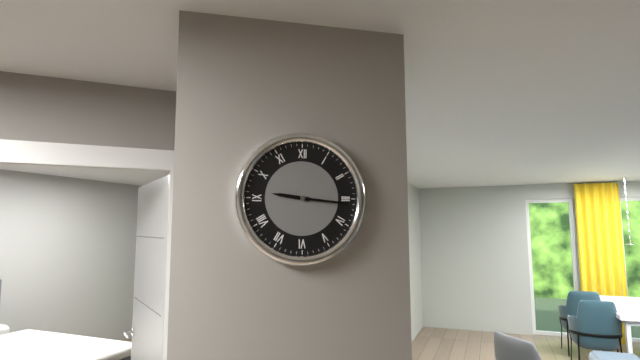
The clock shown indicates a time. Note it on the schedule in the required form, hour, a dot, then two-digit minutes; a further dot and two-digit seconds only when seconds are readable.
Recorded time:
9.16
